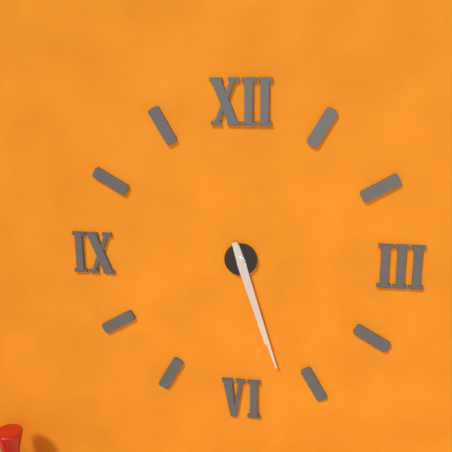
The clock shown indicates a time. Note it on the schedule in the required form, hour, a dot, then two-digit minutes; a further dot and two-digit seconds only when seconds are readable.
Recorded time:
5.27
